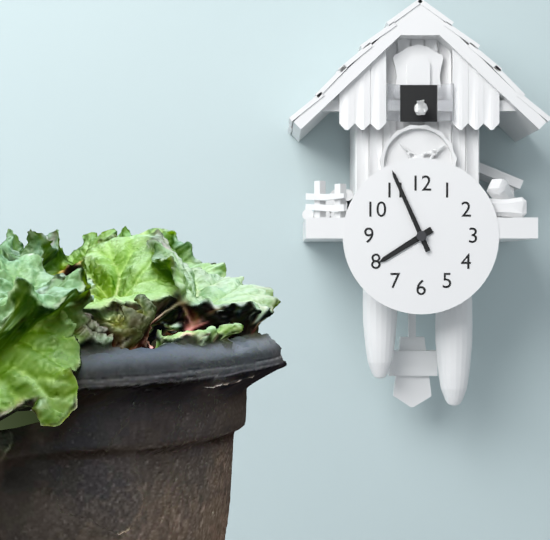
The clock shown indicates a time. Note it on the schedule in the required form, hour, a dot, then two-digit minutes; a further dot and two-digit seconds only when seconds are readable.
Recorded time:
7.56
